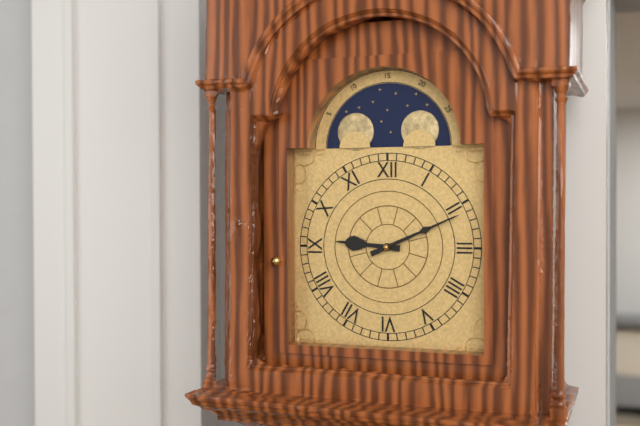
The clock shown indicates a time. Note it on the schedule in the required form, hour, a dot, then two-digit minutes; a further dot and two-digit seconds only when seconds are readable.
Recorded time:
9.11
